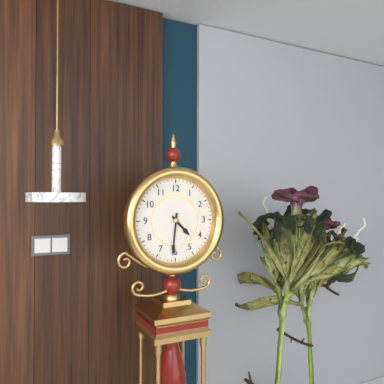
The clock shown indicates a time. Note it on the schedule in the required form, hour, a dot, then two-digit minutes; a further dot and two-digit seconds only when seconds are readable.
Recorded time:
4.31
